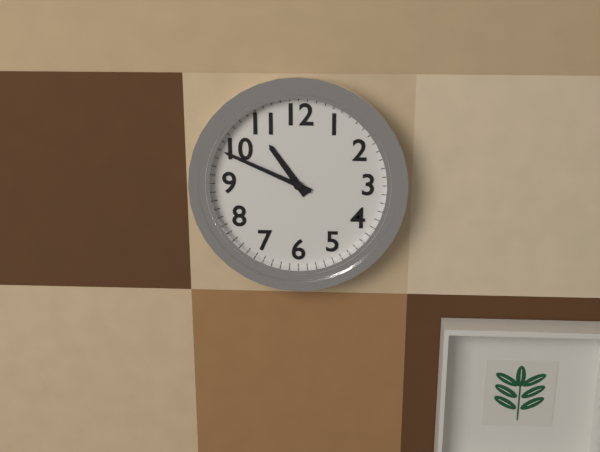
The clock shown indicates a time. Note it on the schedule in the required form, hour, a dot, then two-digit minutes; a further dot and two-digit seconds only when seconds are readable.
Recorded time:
10.49
